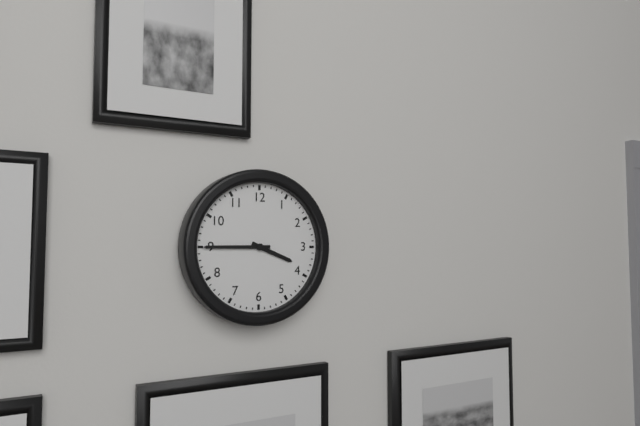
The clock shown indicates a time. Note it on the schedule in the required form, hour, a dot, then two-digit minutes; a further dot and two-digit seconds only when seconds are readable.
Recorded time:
3.45
